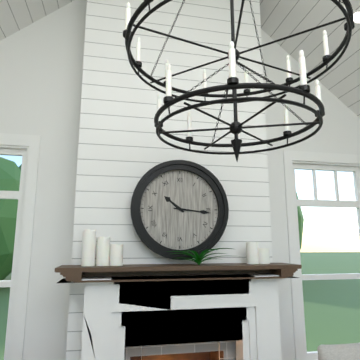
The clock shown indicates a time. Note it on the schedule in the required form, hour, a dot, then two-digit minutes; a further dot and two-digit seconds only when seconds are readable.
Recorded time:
10.16
